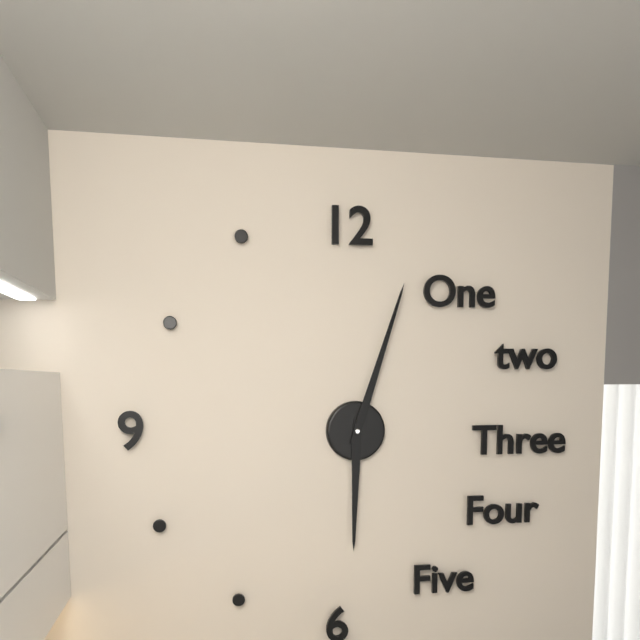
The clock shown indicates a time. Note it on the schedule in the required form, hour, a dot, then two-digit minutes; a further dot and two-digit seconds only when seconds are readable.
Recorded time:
6.03
